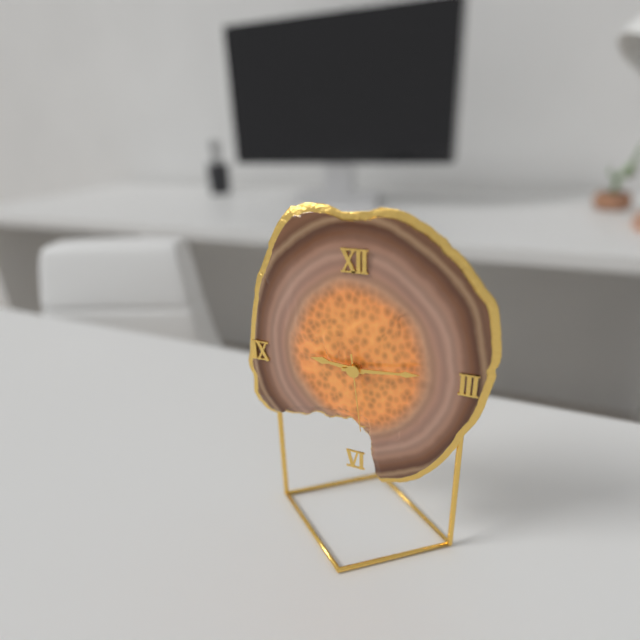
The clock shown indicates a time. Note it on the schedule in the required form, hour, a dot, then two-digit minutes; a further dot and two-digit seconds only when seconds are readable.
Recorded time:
9.14.29
